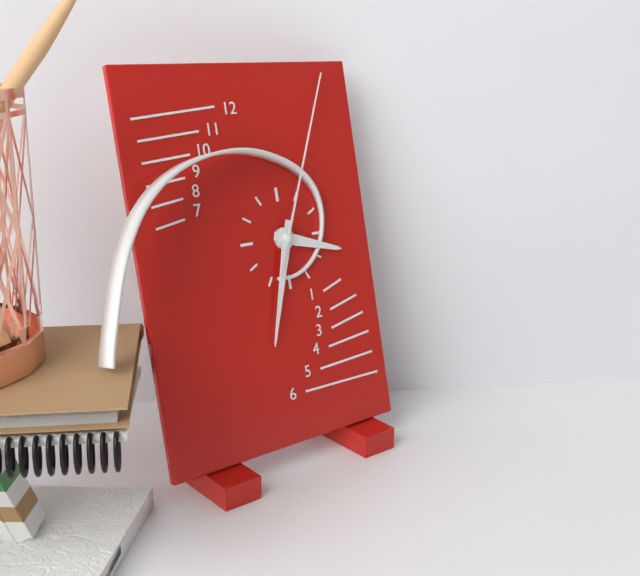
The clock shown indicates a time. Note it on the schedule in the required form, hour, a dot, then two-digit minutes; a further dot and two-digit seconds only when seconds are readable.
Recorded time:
3.33.04
